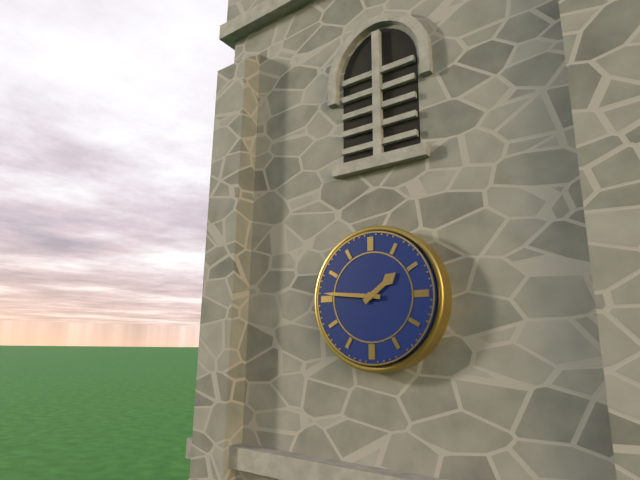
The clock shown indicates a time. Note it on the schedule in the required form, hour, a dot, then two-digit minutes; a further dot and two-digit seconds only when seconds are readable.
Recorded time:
1.46
